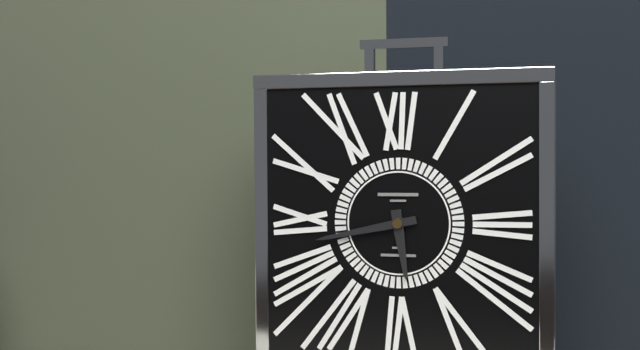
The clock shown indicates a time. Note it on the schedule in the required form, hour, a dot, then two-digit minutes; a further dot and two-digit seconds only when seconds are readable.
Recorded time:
5.43
